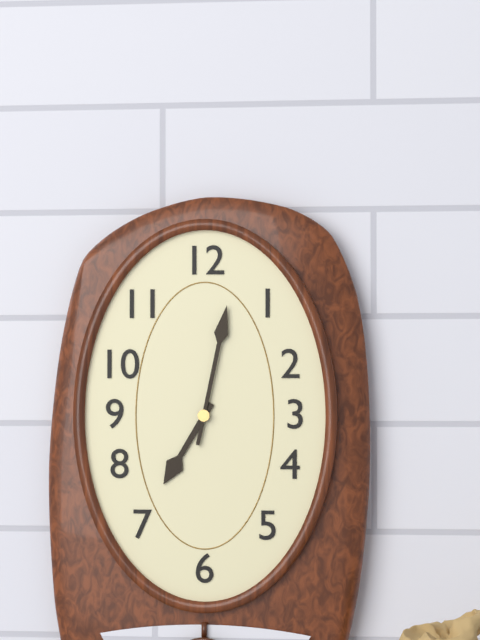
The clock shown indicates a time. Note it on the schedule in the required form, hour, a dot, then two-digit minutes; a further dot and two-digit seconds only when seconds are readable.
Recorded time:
7.02
